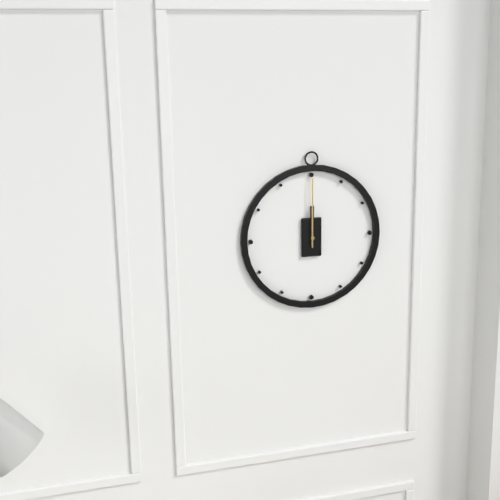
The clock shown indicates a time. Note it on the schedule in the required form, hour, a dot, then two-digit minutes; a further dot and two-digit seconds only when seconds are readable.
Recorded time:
12.00
